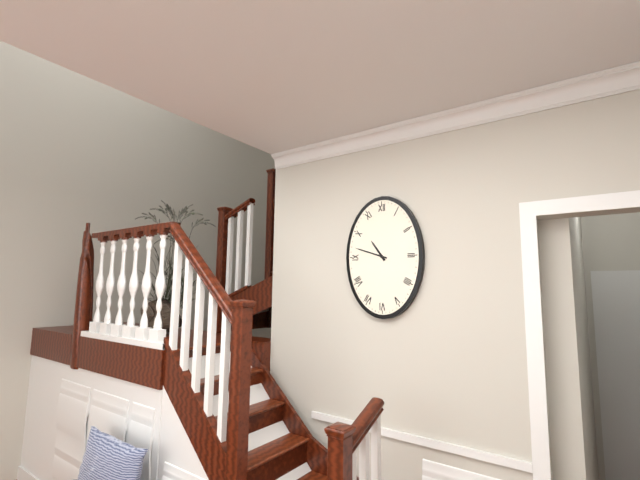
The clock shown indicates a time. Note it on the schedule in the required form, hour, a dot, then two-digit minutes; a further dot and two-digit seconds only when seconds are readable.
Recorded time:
10.48
